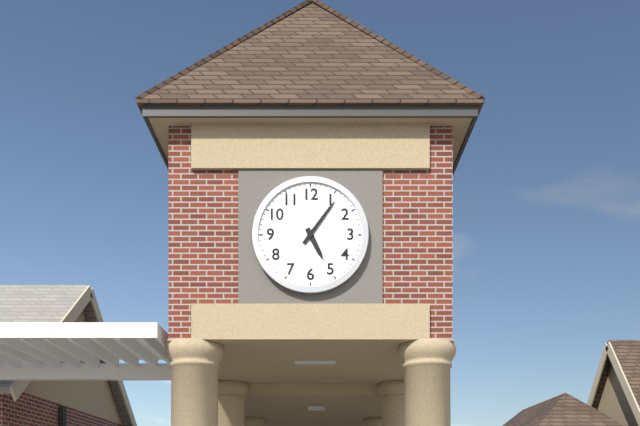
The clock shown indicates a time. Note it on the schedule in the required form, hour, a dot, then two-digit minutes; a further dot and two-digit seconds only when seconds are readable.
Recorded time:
5.06
